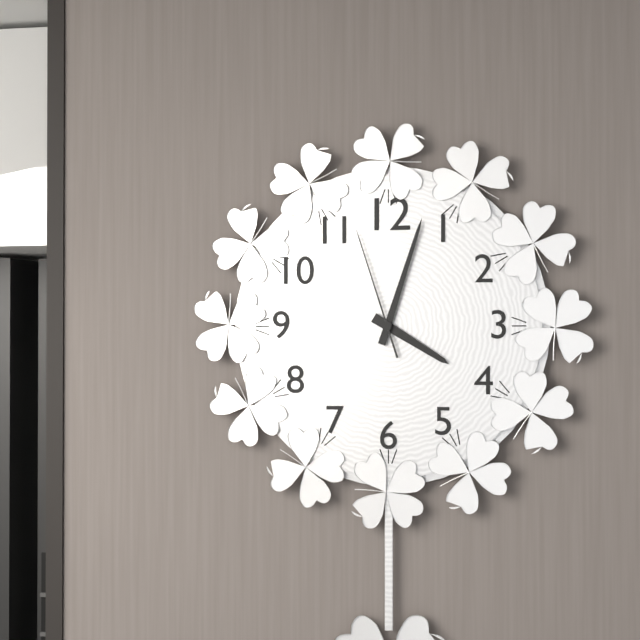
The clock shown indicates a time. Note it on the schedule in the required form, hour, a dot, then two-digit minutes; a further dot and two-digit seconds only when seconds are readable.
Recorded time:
4.03.57
